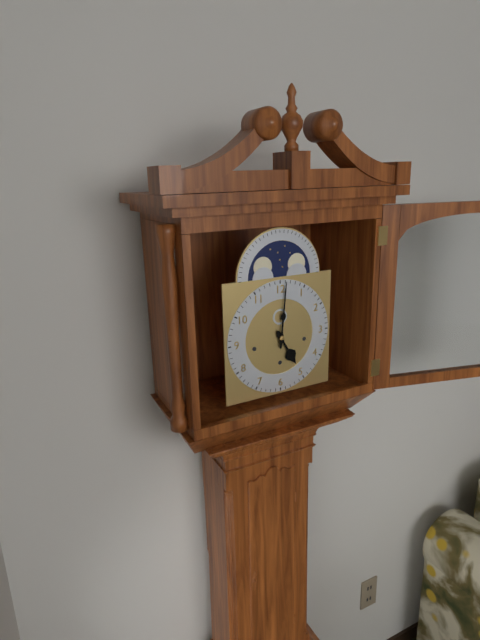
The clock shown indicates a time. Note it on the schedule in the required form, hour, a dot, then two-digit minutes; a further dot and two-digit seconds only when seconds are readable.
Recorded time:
5.01
